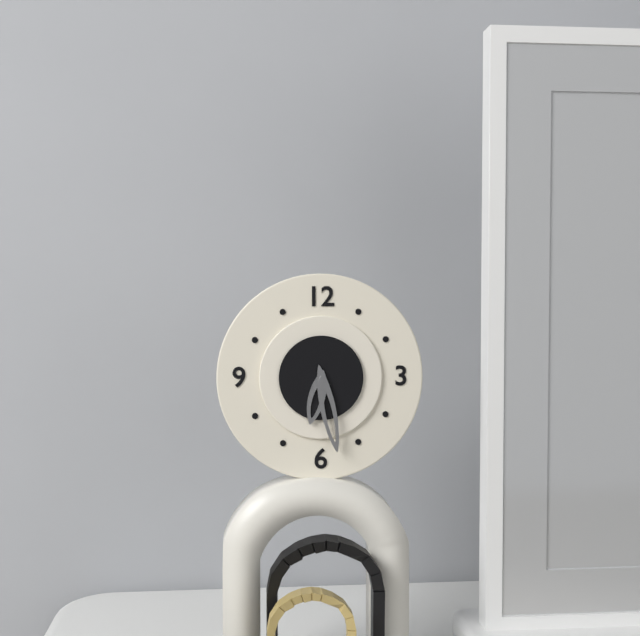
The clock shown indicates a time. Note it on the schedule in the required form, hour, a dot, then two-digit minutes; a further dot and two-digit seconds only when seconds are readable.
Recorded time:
6.28
